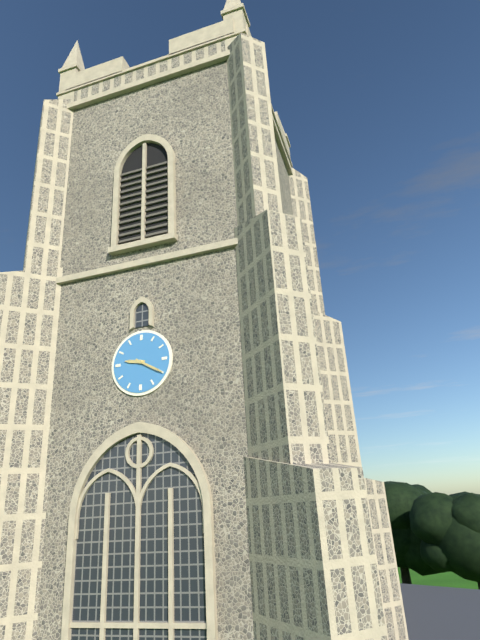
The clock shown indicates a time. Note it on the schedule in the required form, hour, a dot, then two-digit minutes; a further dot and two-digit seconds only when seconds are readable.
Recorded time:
9.20
